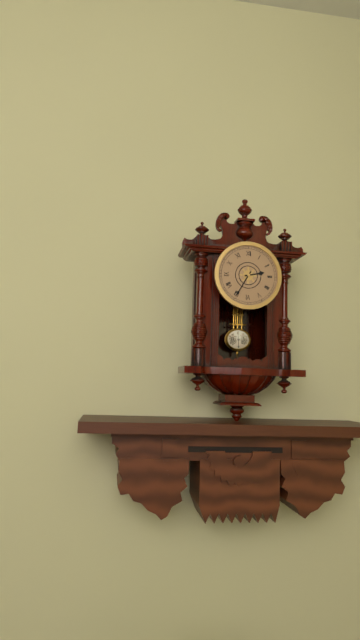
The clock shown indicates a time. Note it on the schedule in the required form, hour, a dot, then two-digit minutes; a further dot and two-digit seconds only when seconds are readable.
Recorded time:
2.35
